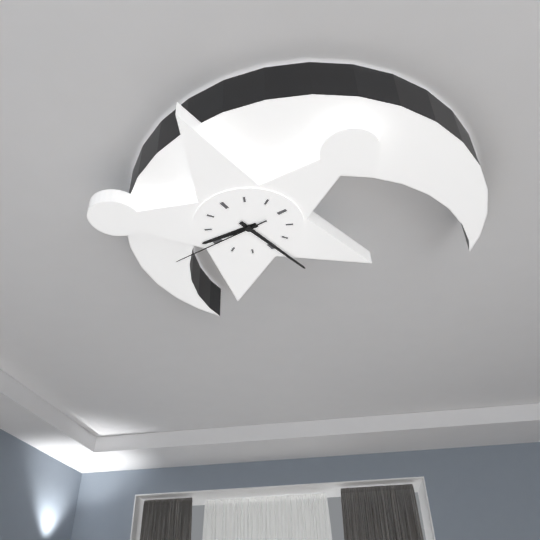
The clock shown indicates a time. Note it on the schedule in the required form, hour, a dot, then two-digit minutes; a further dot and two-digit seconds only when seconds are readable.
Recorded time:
6.14.30
